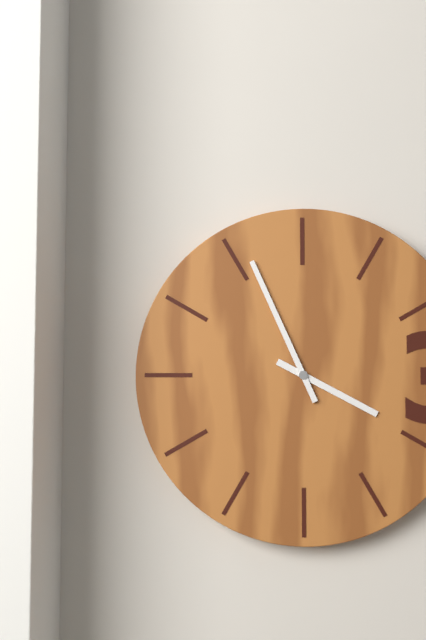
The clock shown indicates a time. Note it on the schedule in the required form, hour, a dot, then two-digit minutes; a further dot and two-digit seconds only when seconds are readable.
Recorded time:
3.56
